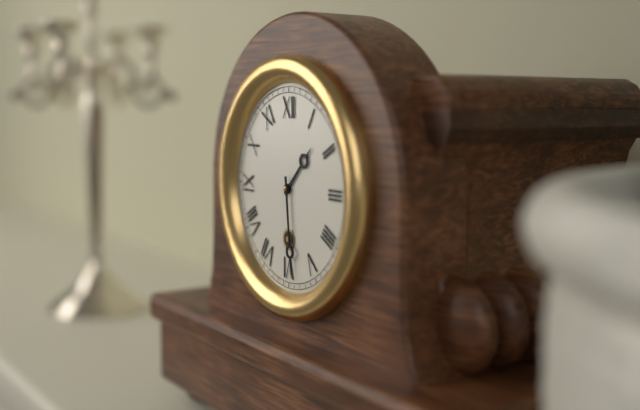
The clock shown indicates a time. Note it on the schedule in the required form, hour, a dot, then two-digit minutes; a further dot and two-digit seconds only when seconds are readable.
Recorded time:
1.29
